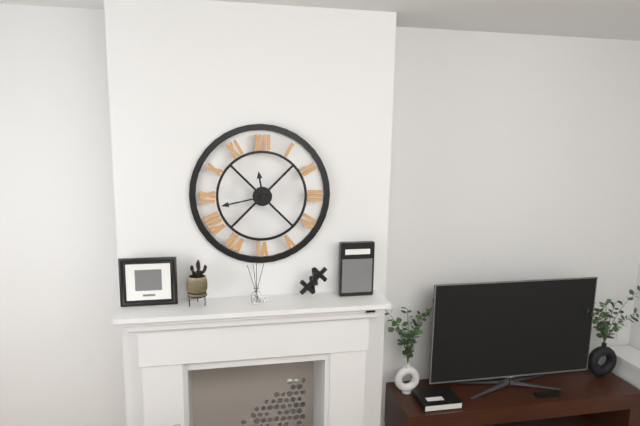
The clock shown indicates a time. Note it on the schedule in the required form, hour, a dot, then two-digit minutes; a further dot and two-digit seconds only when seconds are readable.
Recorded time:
11.43
